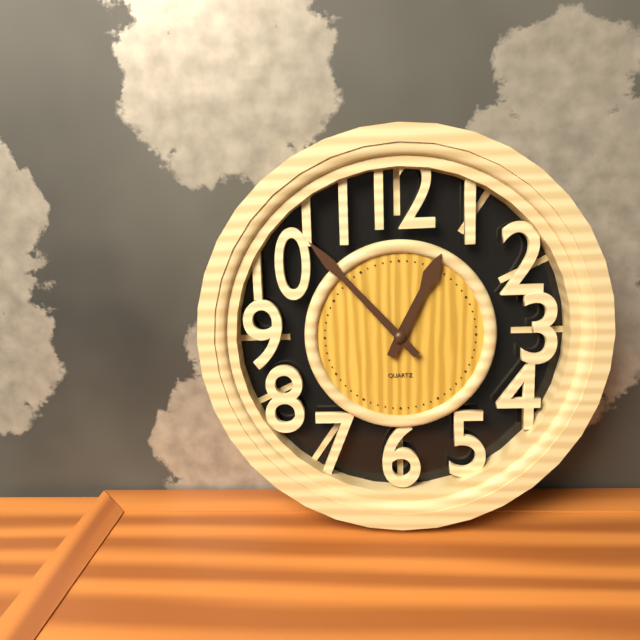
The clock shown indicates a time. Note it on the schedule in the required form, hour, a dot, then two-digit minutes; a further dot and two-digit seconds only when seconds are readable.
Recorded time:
12.53
